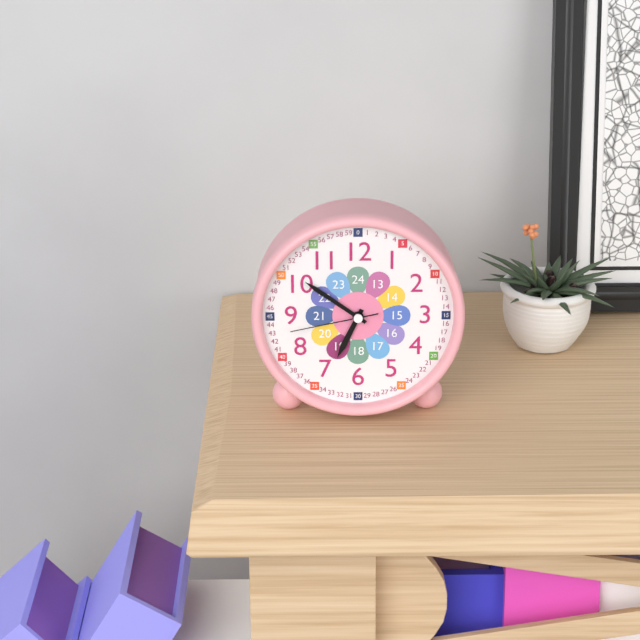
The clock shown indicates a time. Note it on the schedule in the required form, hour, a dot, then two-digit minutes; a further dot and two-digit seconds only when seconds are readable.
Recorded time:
6.51.43
